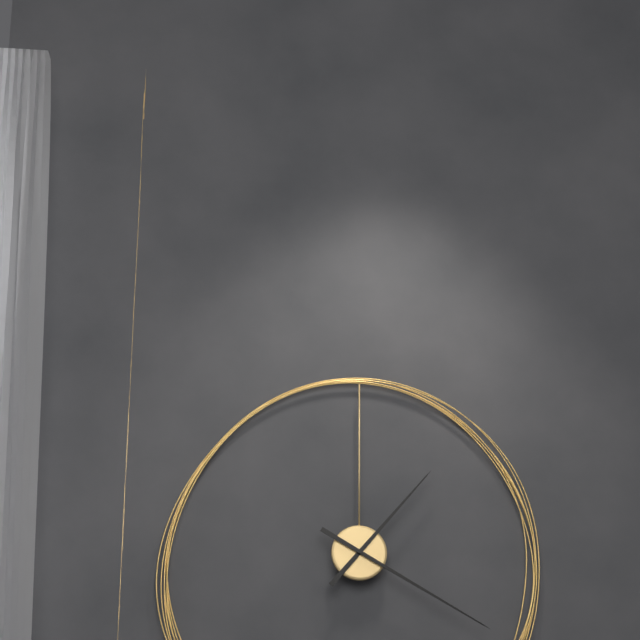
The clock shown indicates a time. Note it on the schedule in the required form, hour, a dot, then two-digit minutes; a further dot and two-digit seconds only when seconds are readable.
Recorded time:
1.20
